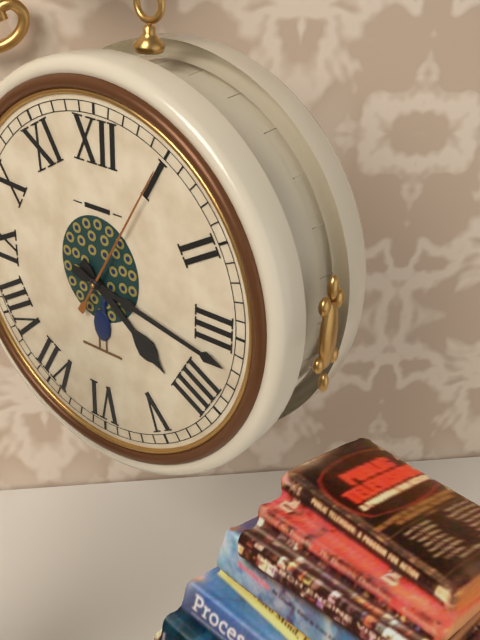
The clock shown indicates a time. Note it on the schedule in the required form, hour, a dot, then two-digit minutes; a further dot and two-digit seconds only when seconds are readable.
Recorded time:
4.17.05
